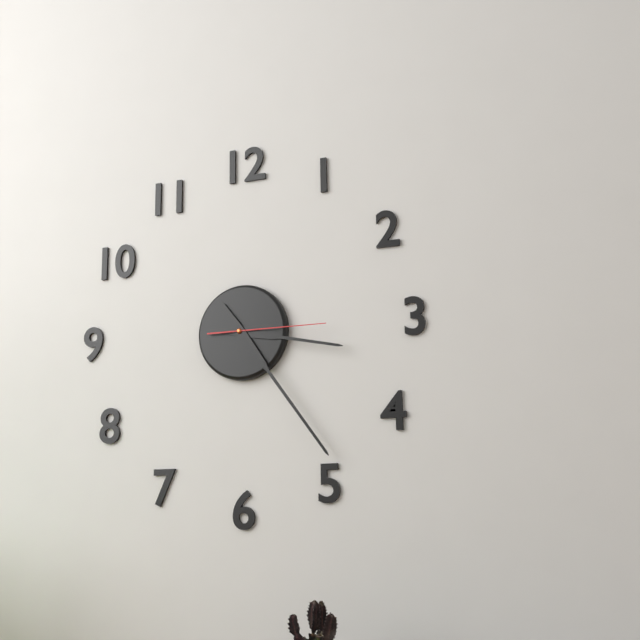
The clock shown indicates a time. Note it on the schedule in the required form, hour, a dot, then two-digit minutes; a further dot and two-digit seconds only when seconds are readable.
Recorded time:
3.24.15
